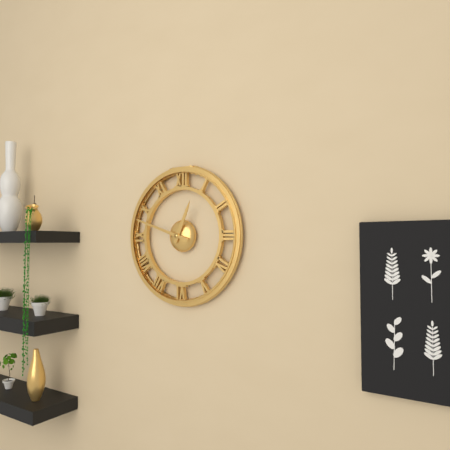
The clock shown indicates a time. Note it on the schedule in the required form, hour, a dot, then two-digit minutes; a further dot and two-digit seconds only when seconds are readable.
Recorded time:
12.48
